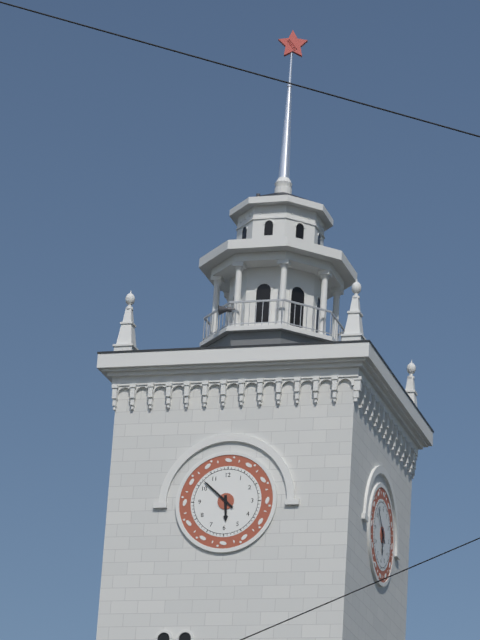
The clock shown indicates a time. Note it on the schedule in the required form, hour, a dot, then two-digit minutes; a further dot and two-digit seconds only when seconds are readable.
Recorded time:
5.52
